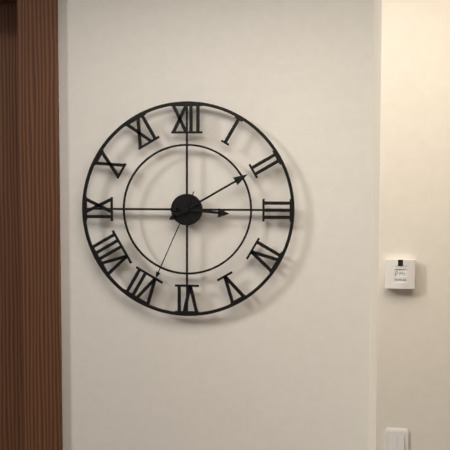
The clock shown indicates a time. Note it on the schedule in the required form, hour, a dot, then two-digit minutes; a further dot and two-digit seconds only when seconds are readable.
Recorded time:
3.10.34
